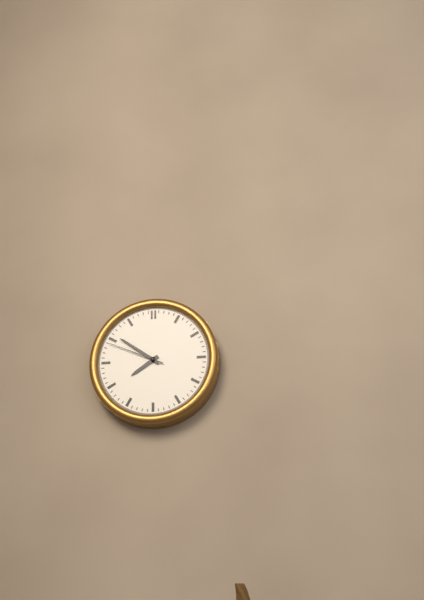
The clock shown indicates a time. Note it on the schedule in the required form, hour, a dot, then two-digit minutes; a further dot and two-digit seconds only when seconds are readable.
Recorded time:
7.51.49
